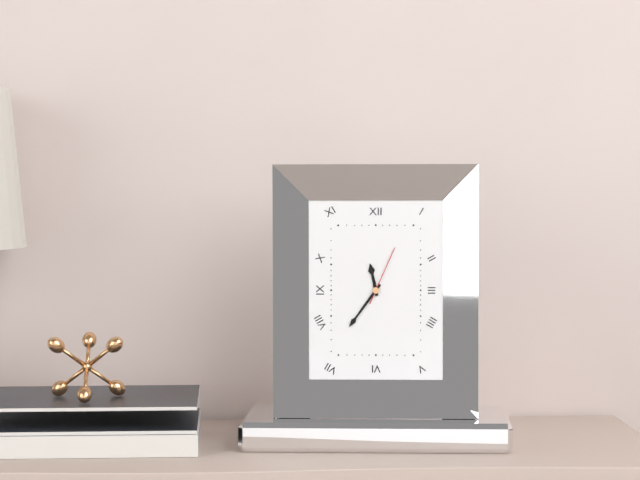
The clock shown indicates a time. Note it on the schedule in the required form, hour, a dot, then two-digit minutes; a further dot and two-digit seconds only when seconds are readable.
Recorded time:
11.36.04
